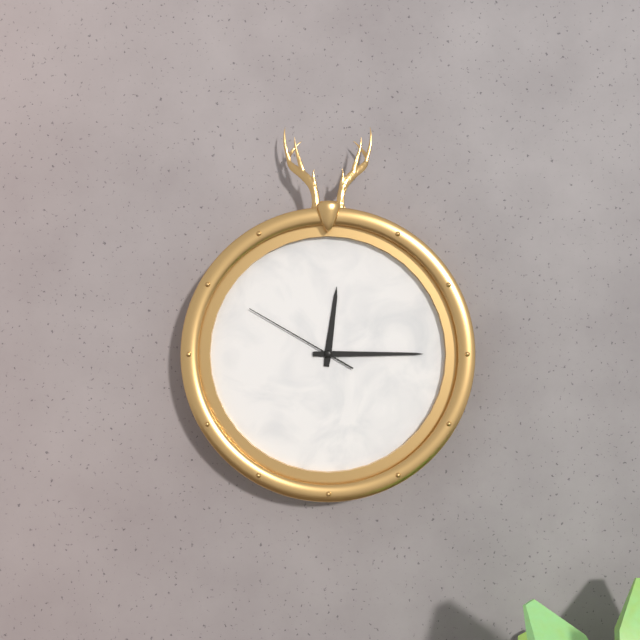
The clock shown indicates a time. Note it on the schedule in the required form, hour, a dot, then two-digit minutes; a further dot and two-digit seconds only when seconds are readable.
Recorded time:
12.15.50
